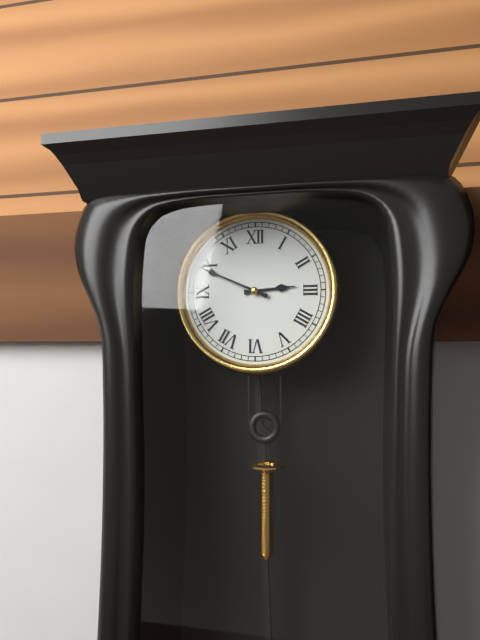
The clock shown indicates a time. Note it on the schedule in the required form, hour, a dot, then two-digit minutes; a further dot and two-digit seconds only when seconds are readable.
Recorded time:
2.49
